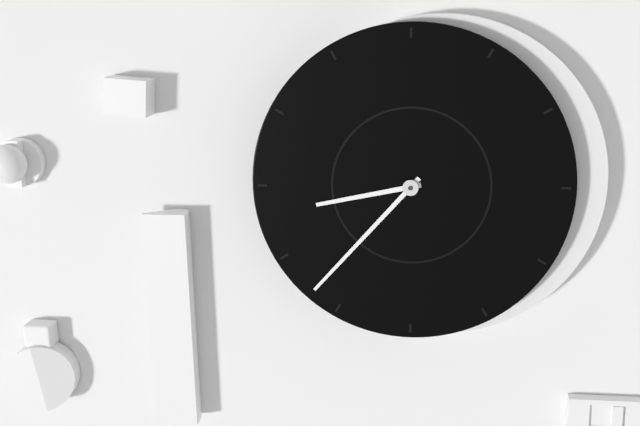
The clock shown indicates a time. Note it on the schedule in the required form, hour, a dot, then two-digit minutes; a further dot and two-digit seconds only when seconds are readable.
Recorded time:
8.37
